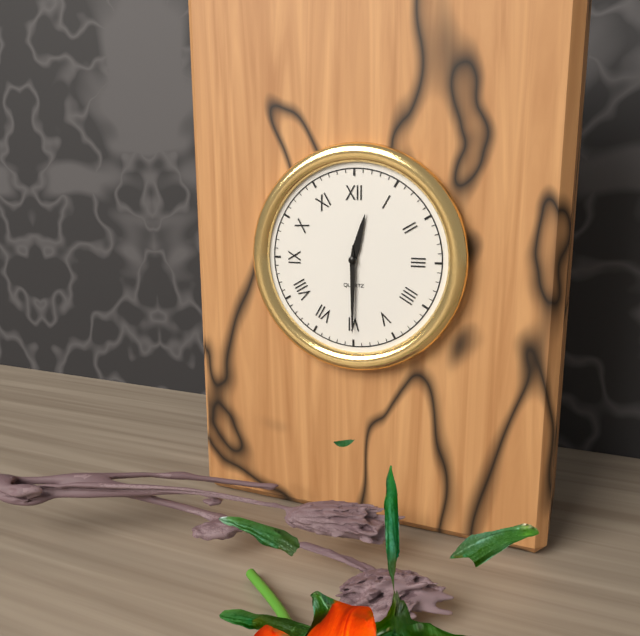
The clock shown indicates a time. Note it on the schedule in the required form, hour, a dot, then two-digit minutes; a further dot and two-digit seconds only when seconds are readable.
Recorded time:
12.30
